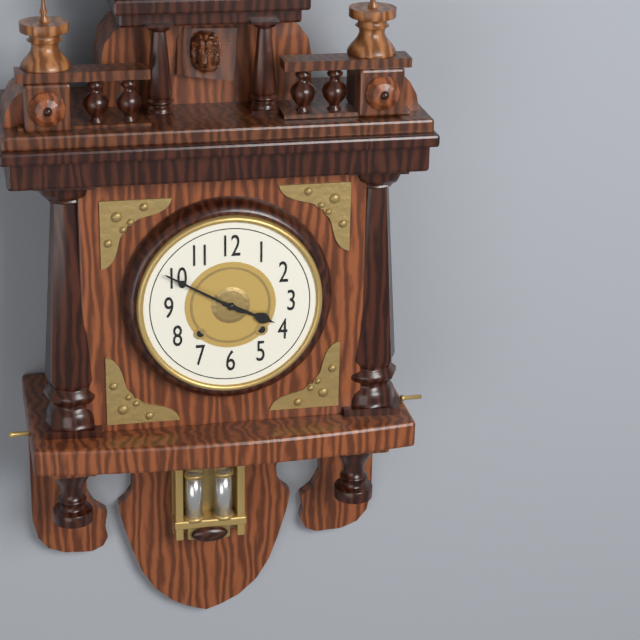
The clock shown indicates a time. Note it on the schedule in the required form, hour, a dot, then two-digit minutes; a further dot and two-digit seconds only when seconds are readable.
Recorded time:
3.50
